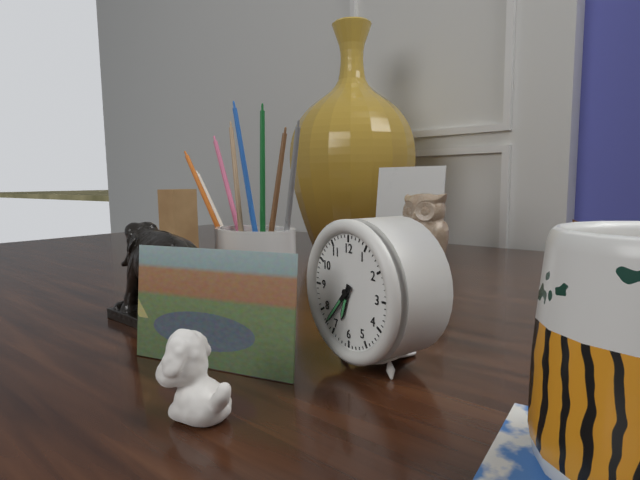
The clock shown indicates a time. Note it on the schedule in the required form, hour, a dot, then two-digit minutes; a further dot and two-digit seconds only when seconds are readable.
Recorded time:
6.37
